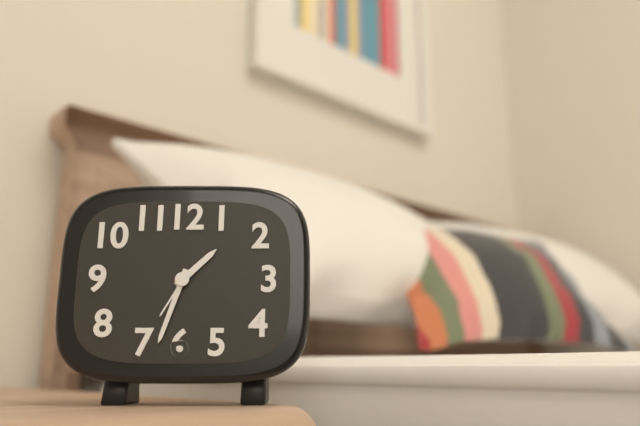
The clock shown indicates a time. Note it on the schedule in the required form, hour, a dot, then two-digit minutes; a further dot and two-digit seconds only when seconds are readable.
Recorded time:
1.33
